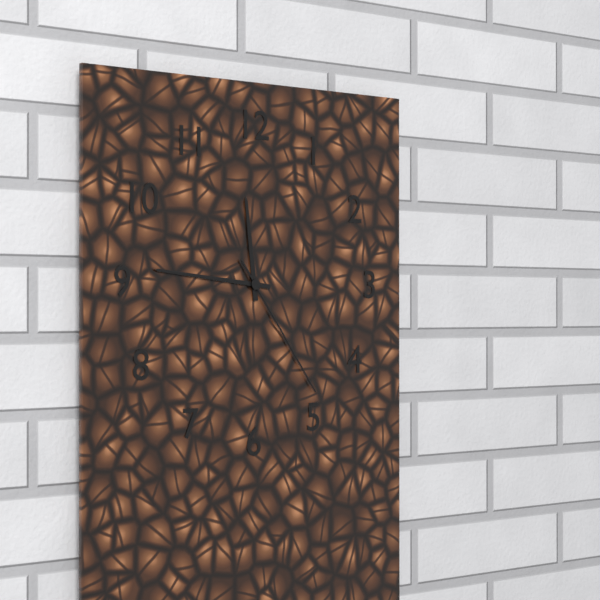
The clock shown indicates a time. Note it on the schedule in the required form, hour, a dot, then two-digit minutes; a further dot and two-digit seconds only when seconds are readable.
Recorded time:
11.46.24
